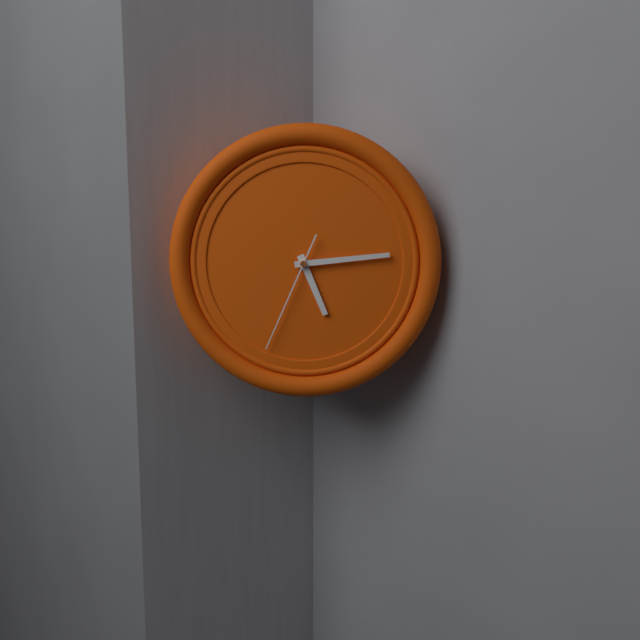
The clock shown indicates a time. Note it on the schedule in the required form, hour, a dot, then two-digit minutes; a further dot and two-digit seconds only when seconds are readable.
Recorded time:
5.14.34
